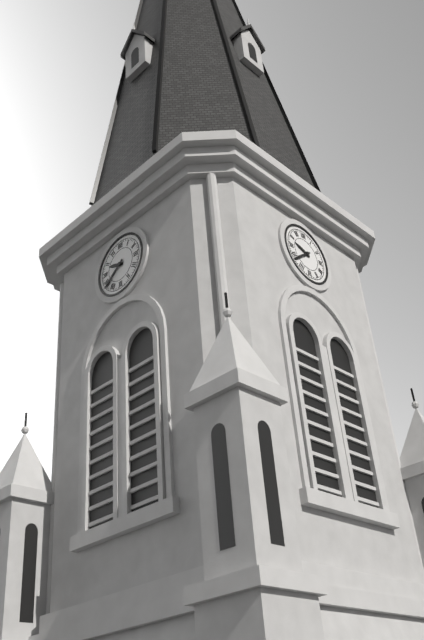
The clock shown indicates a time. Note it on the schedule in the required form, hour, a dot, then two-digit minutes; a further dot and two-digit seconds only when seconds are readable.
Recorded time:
9.39
